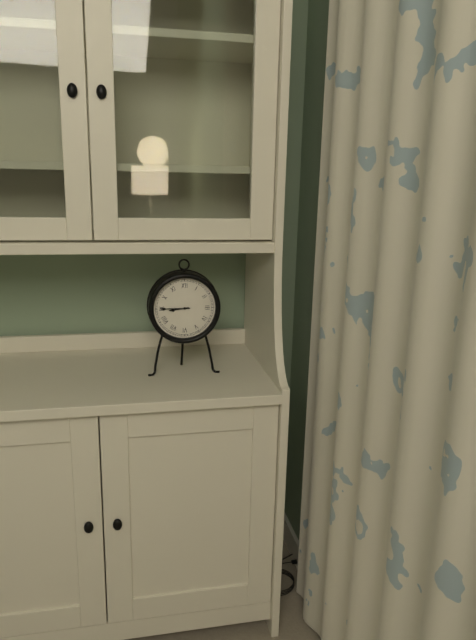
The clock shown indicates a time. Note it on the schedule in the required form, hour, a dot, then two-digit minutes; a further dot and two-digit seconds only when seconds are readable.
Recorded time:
8.45
